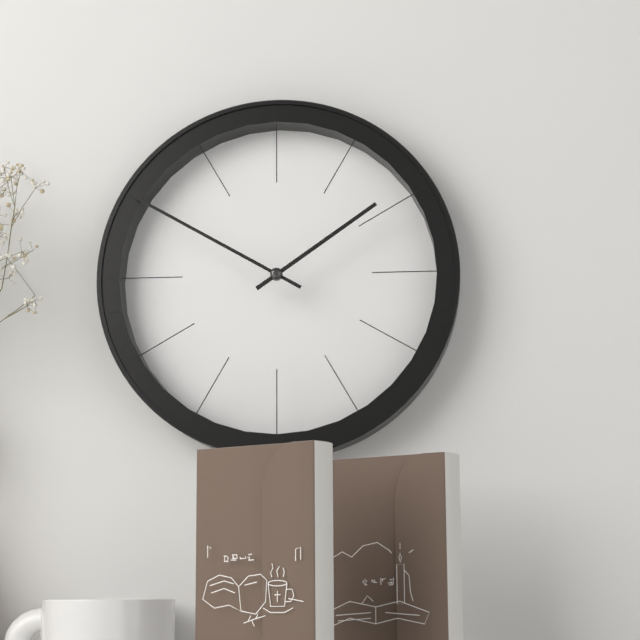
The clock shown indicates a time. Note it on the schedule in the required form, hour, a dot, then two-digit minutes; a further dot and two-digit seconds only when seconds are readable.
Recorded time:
1.50
